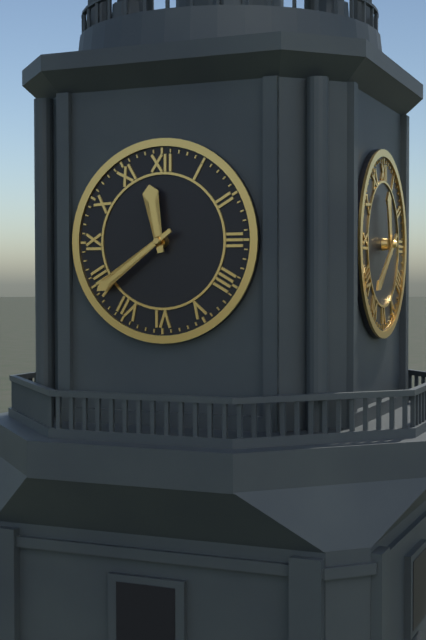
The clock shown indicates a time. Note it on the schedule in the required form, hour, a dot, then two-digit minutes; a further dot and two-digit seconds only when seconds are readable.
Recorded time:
11.39
